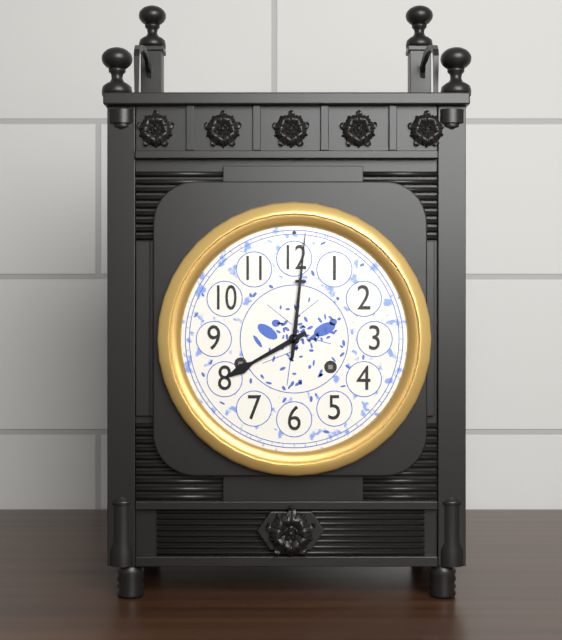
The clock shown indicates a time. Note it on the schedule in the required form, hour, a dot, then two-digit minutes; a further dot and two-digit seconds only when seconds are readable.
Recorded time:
8.01
